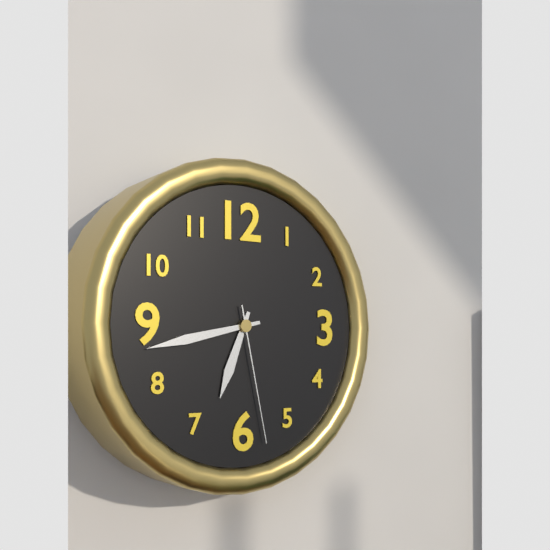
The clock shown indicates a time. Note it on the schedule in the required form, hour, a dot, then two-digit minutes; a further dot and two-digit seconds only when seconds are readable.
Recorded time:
6.43.28
